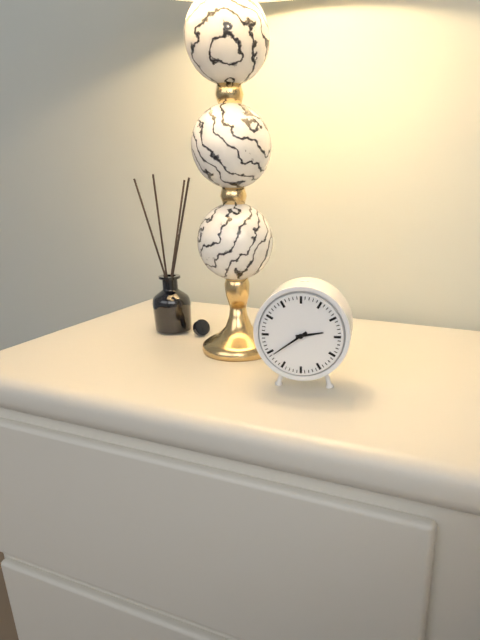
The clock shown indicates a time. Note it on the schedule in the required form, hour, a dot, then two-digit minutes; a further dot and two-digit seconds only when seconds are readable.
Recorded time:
2.39
